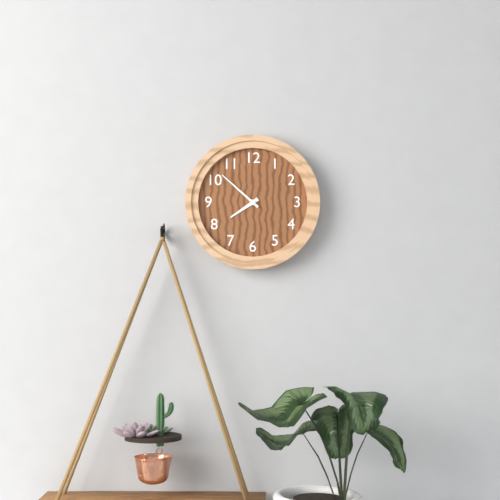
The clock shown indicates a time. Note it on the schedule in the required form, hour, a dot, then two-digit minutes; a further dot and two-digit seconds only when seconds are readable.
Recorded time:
7.52
